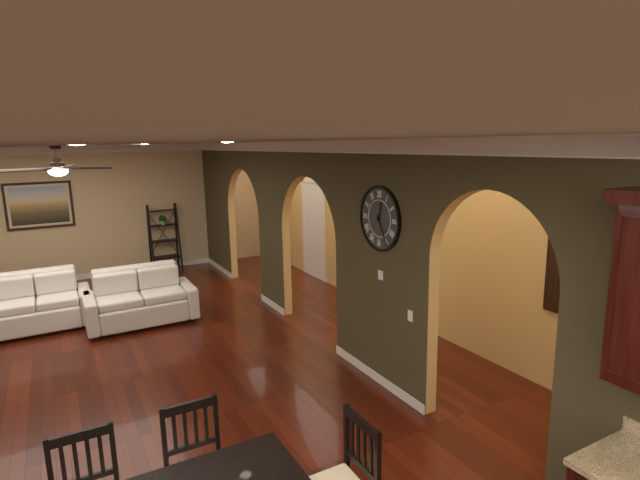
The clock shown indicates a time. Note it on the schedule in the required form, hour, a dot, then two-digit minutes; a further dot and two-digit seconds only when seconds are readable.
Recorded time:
12.25
